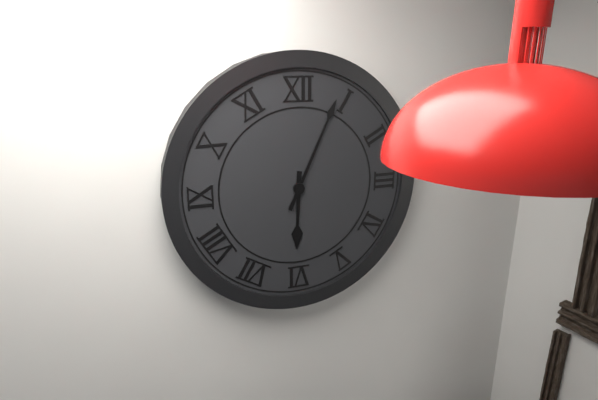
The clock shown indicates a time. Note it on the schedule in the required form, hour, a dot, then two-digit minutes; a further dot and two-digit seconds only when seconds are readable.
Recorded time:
6.04
